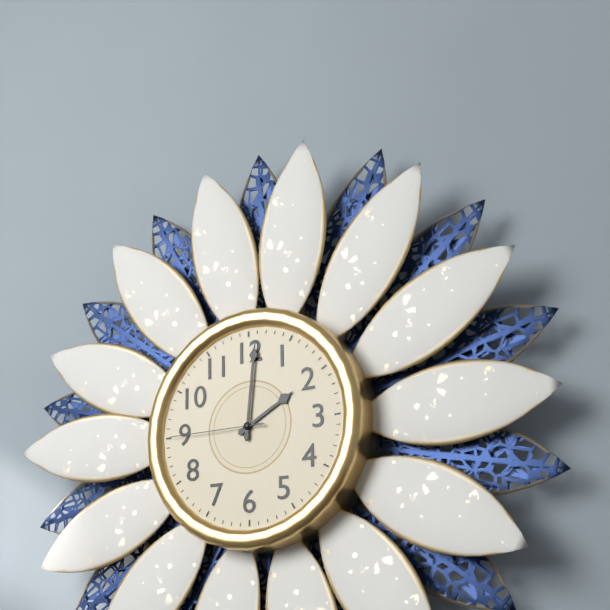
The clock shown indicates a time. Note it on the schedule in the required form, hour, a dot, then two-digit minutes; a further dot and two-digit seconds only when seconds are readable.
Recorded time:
2.01.45
